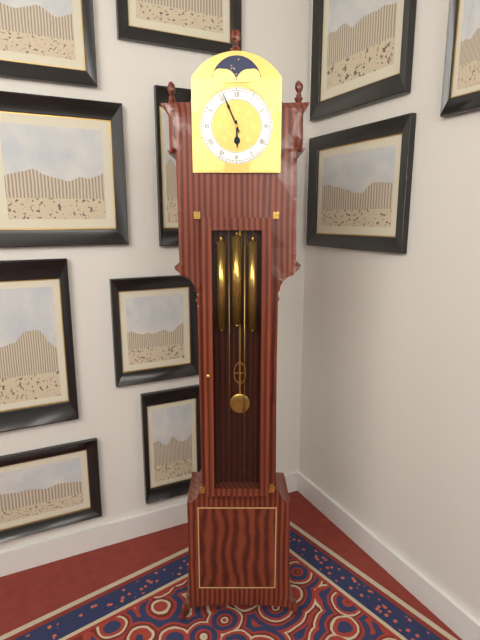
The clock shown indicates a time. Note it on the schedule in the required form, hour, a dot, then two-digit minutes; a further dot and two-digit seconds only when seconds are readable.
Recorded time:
5.56
